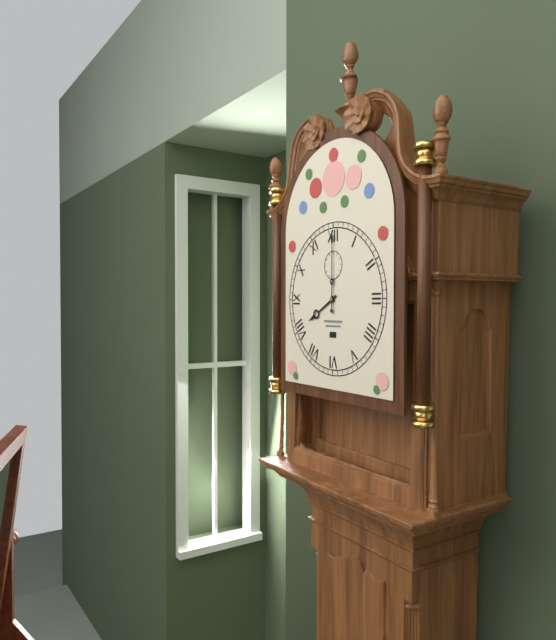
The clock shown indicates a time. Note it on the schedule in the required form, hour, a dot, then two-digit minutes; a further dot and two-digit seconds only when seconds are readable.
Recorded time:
8.00
